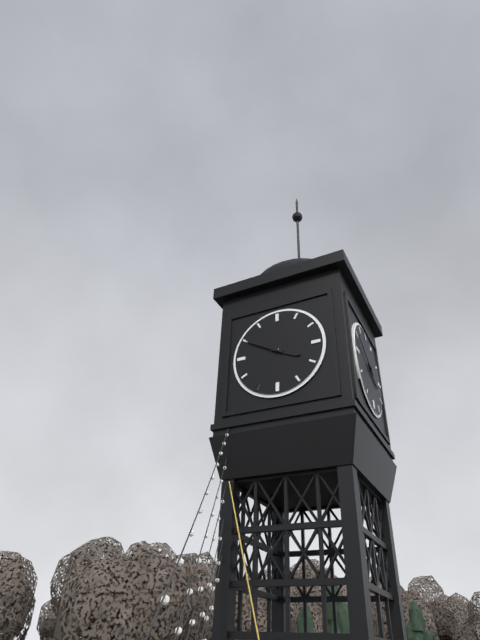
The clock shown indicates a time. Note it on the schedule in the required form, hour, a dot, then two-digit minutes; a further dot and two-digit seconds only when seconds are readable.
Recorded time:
3.50
